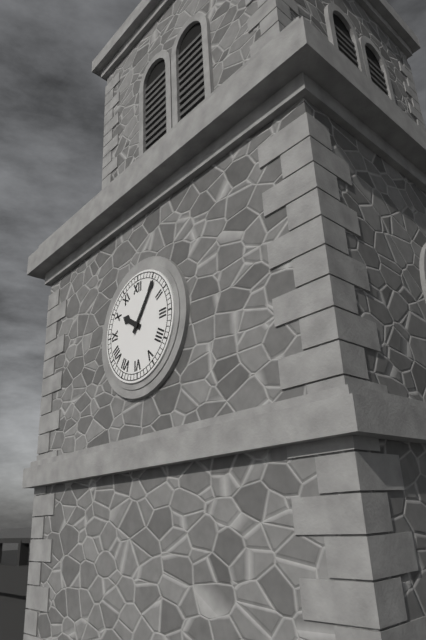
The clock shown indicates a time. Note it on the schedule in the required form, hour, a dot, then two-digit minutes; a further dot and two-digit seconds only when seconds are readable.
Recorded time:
10.06
